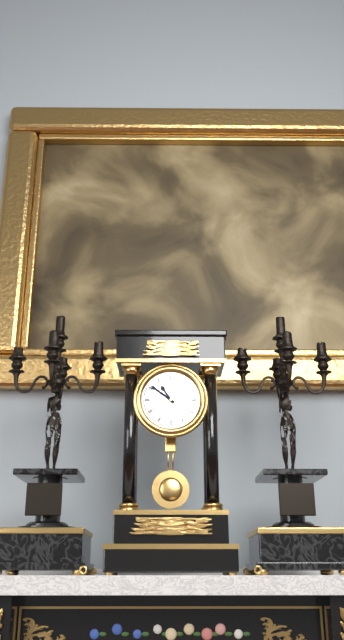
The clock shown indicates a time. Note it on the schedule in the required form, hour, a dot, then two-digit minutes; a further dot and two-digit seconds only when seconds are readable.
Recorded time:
10.51
